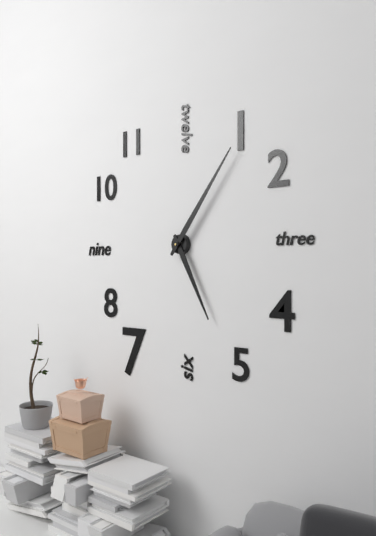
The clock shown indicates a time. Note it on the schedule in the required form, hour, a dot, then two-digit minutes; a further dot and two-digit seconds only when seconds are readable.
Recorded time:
5.06
